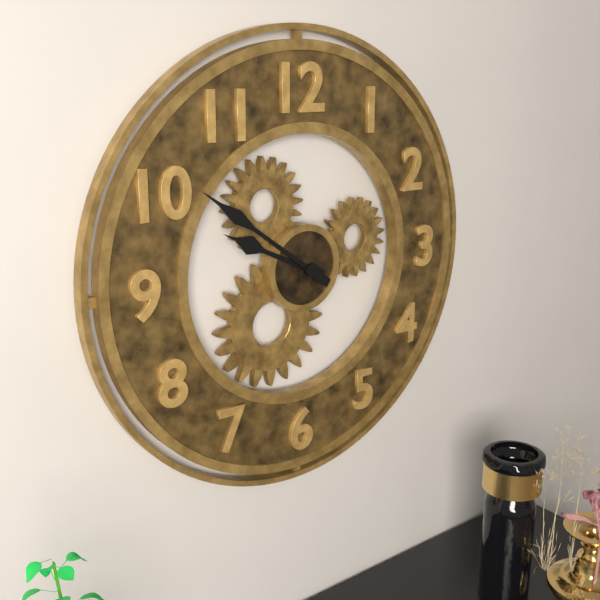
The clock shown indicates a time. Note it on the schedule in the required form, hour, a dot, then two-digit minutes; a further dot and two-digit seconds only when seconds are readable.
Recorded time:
9.51
